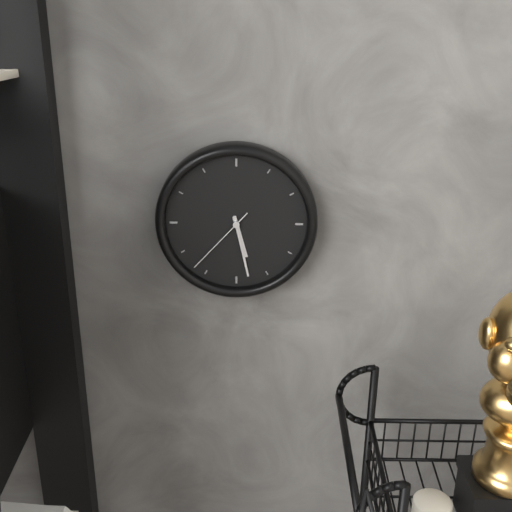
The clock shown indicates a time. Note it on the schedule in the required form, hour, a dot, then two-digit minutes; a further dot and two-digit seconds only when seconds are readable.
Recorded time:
5.28.37
